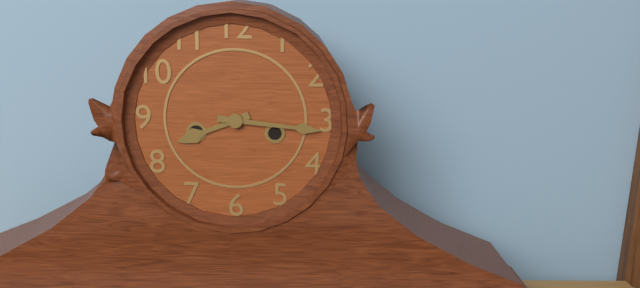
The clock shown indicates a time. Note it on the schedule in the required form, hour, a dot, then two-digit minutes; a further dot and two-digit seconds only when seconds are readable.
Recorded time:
8.16
